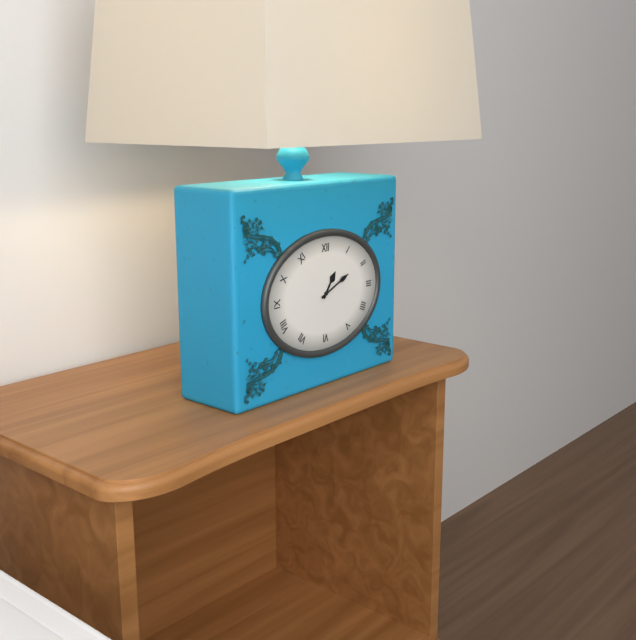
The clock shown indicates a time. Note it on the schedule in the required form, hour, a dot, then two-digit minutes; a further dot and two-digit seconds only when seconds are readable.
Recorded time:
1.11
